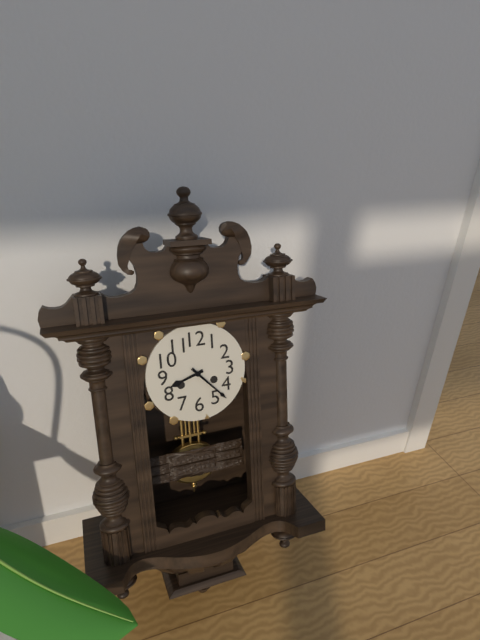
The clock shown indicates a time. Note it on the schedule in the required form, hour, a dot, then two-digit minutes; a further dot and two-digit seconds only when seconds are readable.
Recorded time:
8.23
